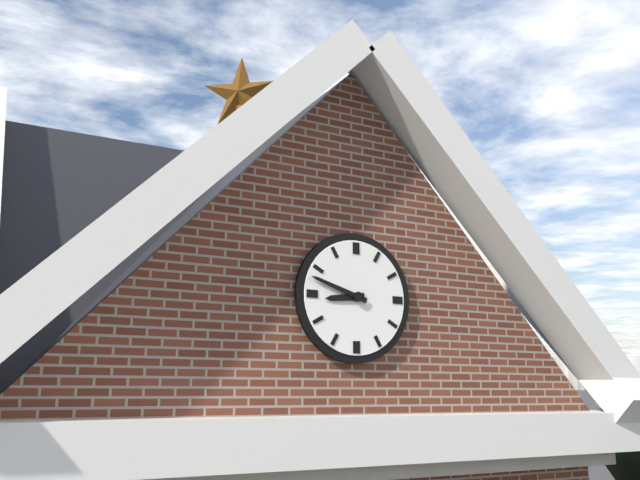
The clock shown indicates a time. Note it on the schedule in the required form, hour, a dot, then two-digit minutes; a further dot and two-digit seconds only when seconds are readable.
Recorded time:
8.48
